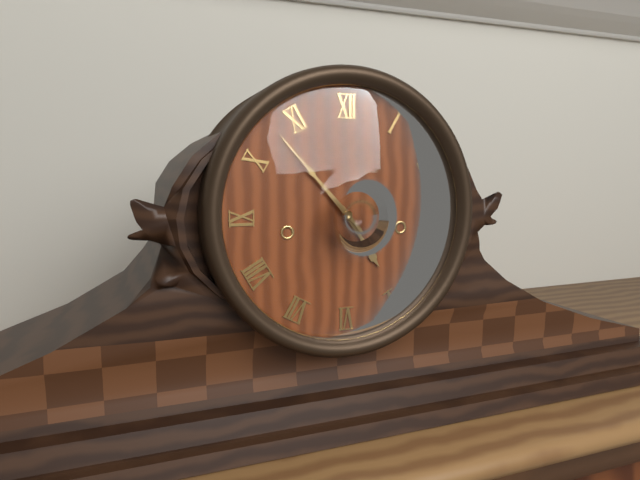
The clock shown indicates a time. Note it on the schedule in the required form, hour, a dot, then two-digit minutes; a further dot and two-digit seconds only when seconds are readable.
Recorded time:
4.53
